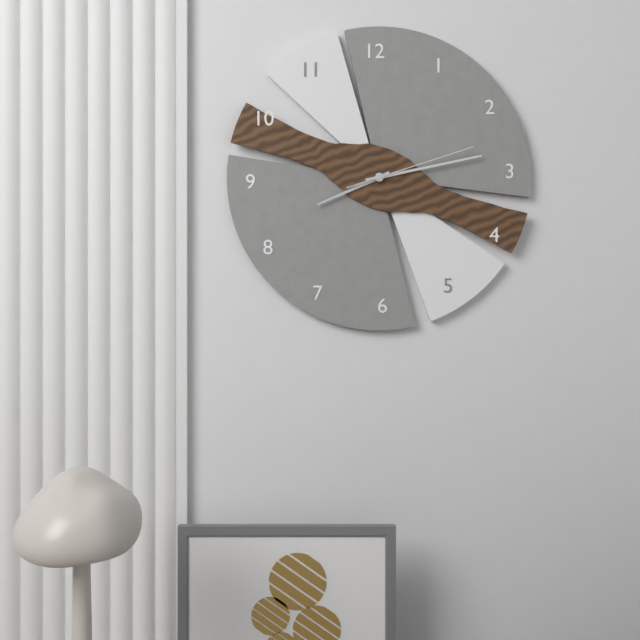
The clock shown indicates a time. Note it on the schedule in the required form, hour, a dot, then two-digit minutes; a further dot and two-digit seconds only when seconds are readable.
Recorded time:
8.13.12
